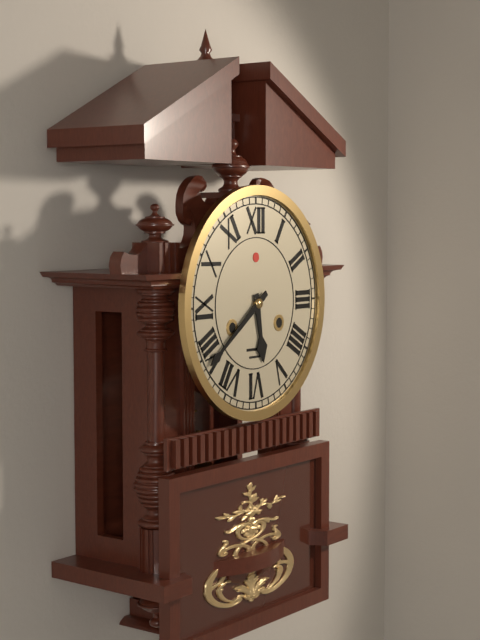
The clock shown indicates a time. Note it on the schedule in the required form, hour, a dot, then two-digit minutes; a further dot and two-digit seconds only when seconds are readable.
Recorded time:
5.39
